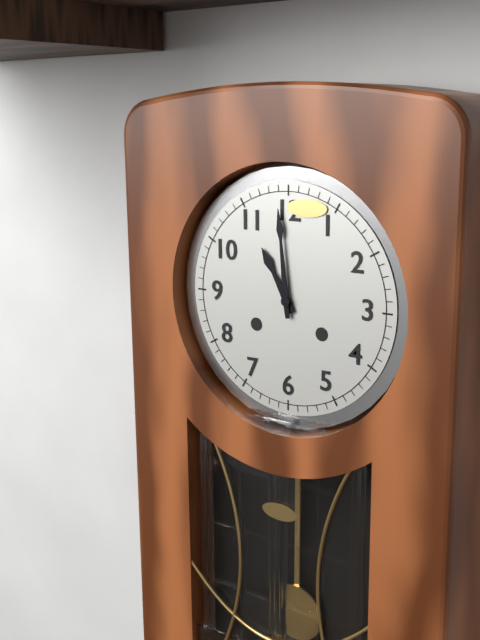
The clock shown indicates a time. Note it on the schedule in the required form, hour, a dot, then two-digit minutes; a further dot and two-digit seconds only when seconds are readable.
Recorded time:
10.59
